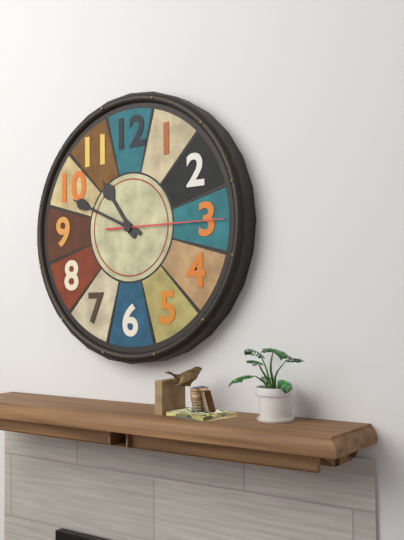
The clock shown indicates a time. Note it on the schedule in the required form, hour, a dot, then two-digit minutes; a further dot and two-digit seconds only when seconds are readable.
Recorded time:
10.49.15
